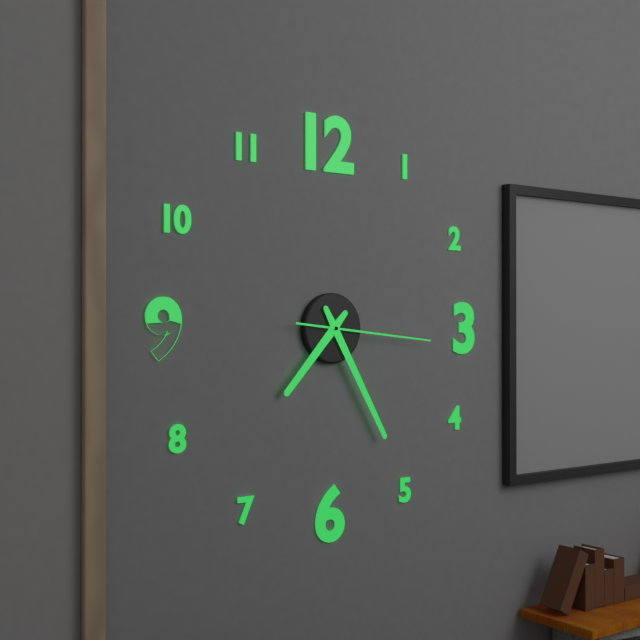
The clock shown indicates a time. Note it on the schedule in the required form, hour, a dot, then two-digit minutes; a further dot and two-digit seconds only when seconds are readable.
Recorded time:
7.25.16
